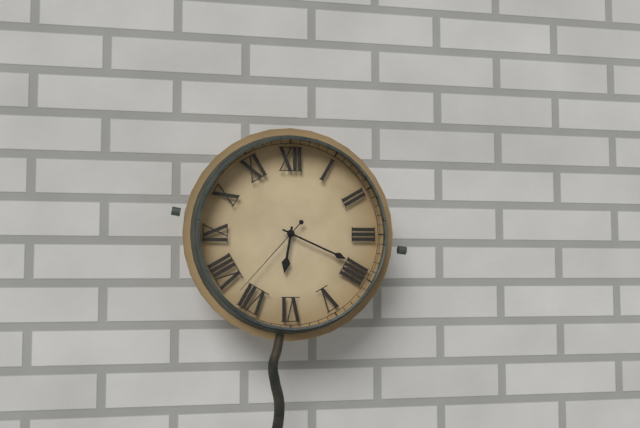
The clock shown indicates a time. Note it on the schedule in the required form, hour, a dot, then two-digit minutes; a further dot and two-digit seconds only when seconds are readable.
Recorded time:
6.19.37
